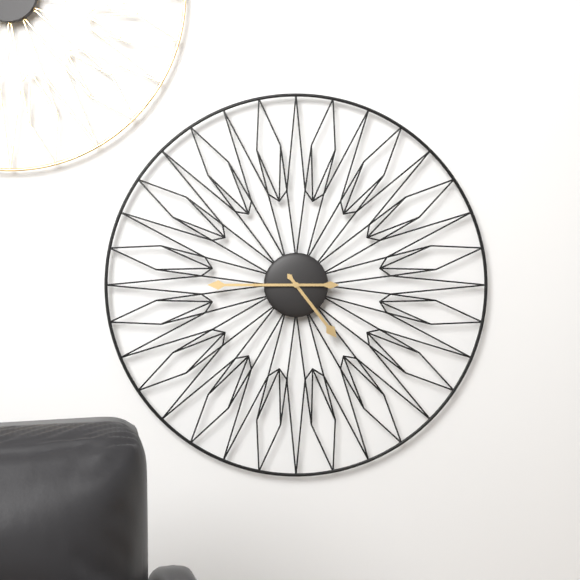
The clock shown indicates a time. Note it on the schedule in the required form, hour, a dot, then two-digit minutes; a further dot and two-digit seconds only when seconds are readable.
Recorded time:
4.45
